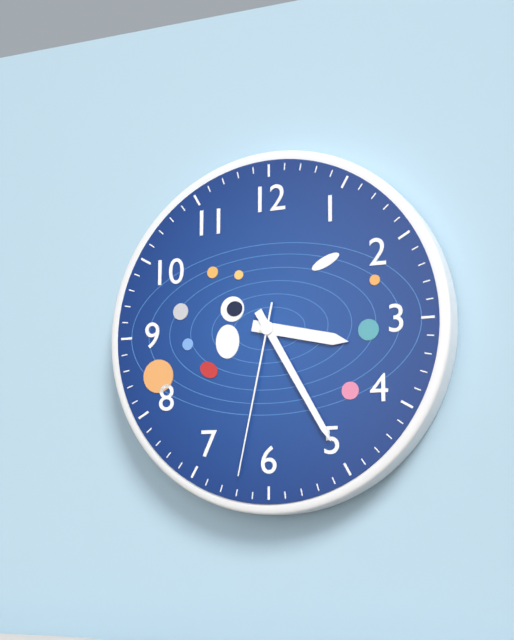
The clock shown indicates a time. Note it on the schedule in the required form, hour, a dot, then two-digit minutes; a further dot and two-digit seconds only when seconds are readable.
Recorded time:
3.25.32
